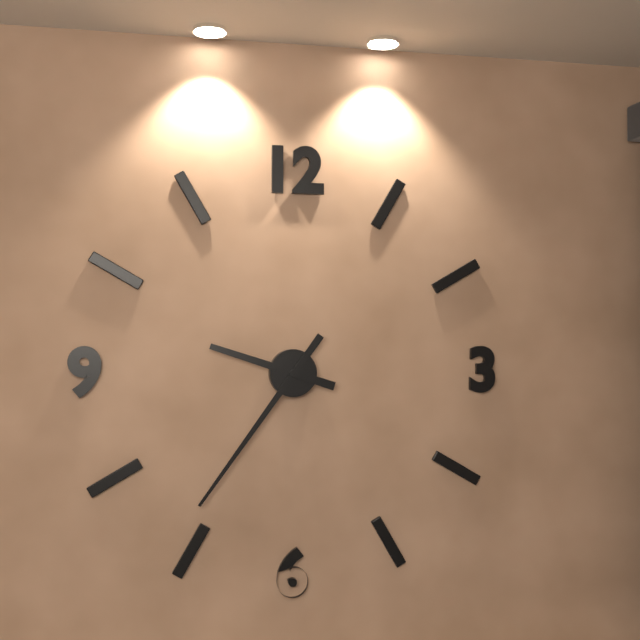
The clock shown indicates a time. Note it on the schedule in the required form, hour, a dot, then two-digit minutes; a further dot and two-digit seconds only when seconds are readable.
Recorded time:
9.36
